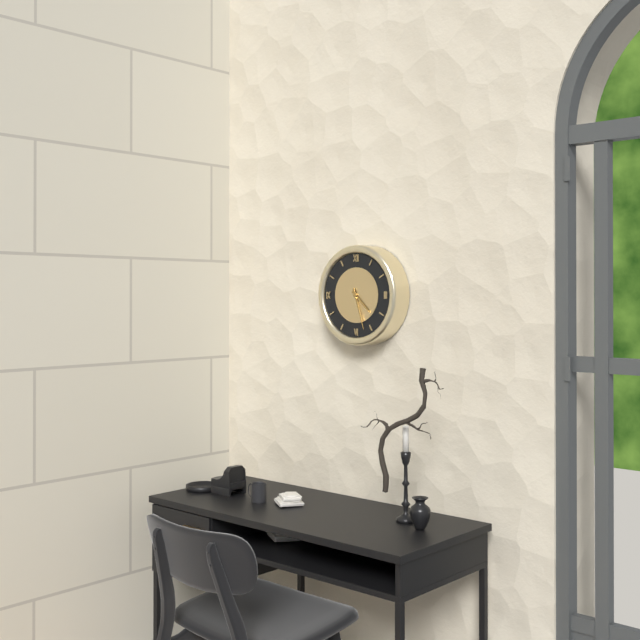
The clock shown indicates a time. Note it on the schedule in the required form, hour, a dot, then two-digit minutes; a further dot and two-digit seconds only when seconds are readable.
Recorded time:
4.27
